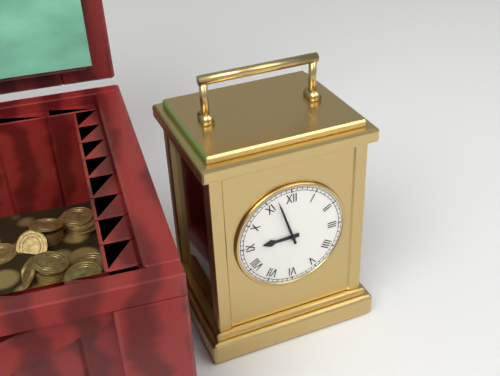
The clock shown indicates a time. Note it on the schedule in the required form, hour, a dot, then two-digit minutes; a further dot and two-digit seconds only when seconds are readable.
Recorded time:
8.57
